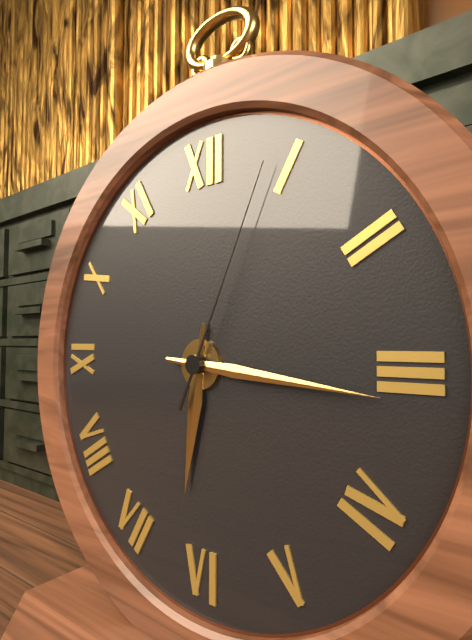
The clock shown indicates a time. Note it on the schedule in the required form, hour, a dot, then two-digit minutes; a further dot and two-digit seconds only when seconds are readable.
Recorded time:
6.16.04
